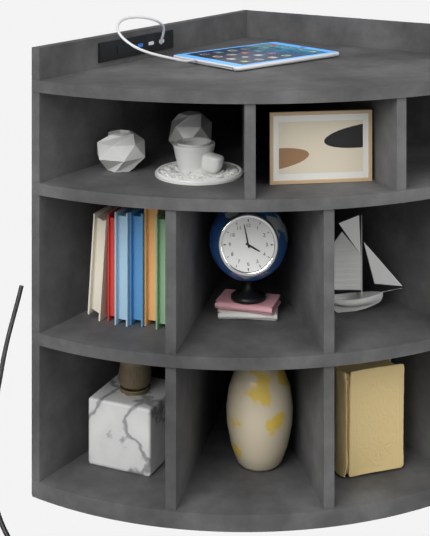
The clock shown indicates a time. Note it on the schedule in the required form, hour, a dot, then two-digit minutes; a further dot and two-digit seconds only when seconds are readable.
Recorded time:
3.58
